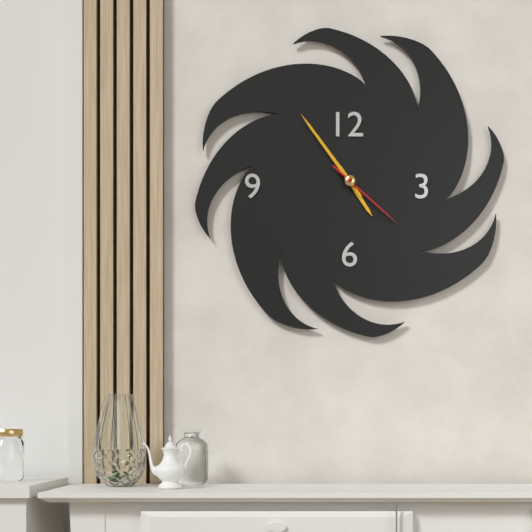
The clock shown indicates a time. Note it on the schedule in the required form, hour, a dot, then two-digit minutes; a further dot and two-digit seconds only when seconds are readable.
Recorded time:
4.54.22
